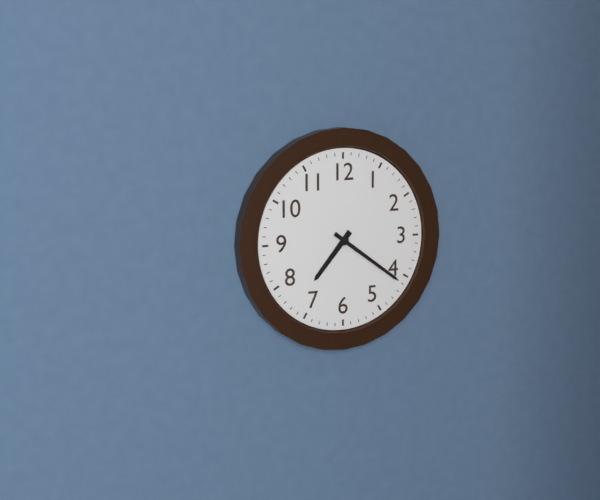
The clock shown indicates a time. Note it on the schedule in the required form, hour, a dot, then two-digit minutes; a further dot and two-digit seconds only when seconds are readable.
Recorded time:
7.21
